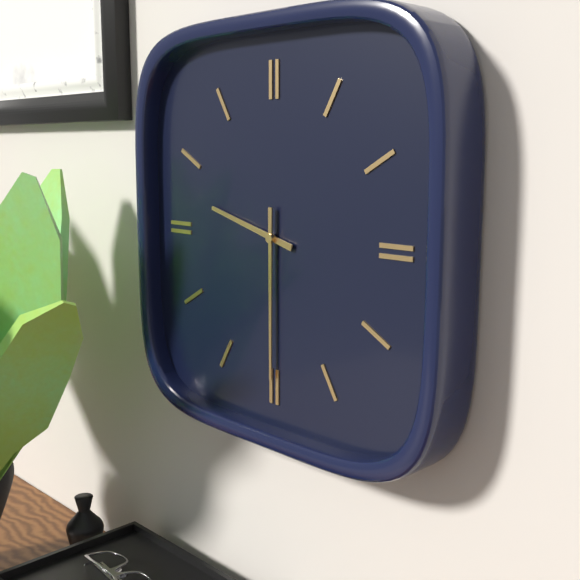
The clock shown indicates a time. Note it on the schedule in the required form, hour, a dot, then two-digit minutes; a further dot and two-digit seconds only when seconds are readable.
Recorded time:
9.30
